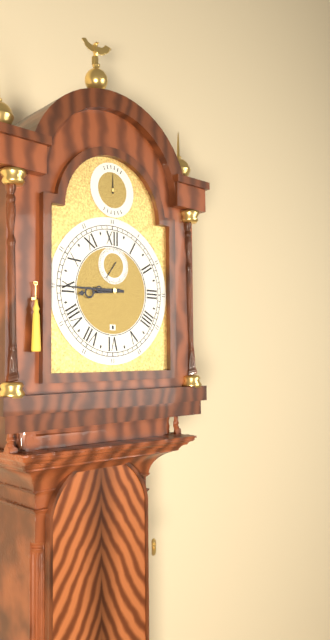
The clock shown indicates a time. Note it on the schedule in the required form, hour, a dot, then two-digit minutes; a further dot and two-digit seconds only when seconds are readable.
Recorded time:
8.45
